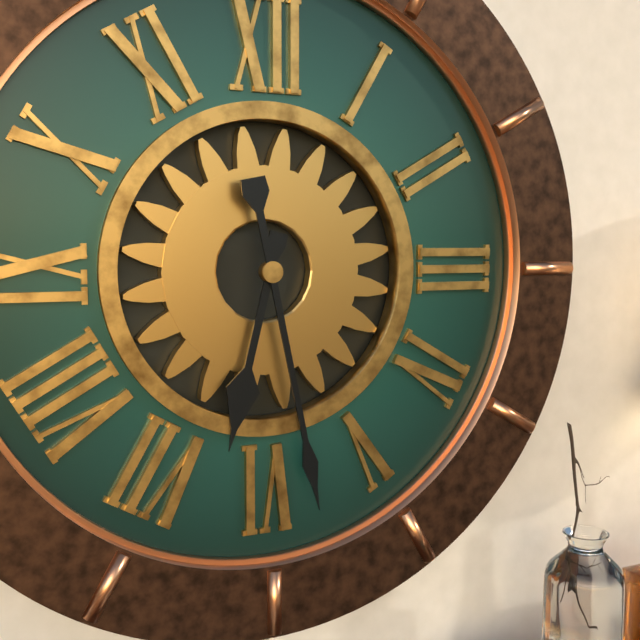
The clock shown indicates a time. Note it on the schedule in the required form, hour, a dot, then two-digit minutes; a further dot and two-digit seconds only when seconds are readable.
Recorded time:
6.28
